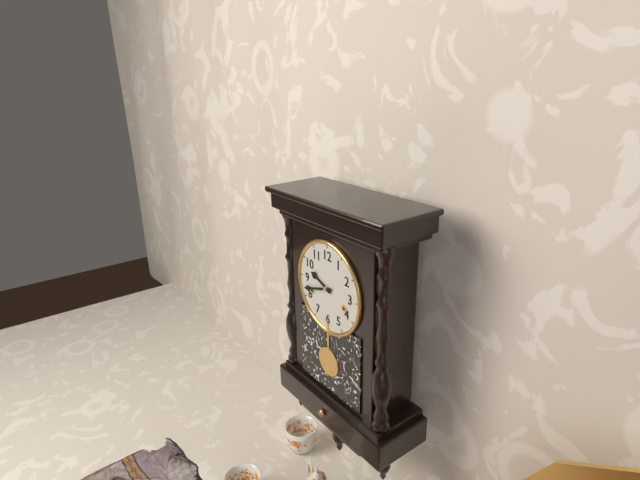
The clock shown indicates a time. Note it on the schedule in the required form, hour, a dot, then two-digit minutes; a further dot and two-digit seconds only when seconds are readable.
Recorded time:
9.42
